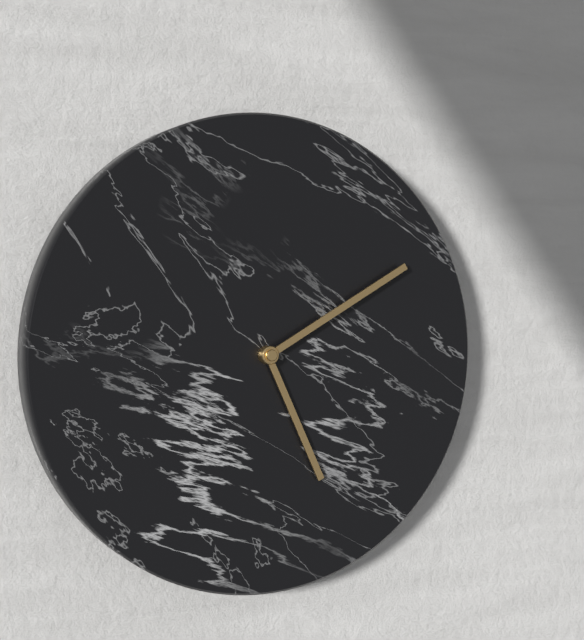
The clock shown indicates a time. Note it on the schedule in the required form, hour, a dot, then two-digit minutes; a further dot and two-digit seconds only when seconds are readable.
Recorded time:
5.10
